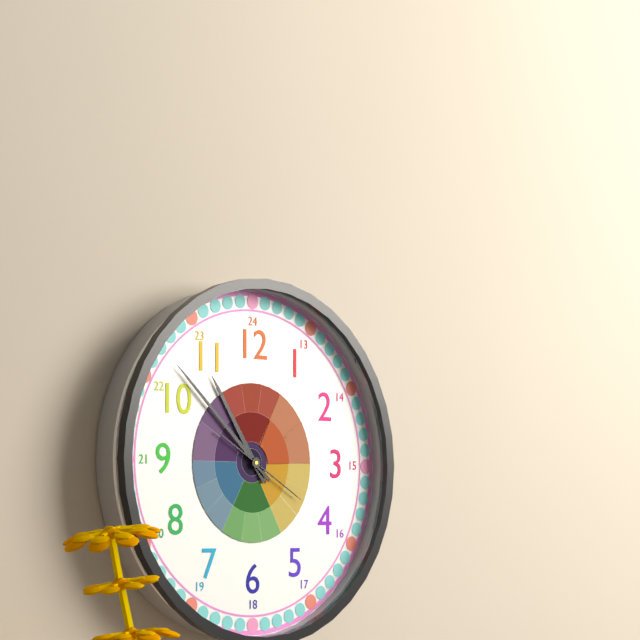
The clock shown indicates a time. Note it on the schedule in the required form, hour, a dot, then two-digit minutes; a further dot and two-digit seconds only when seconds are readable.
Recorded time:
10.52.20
